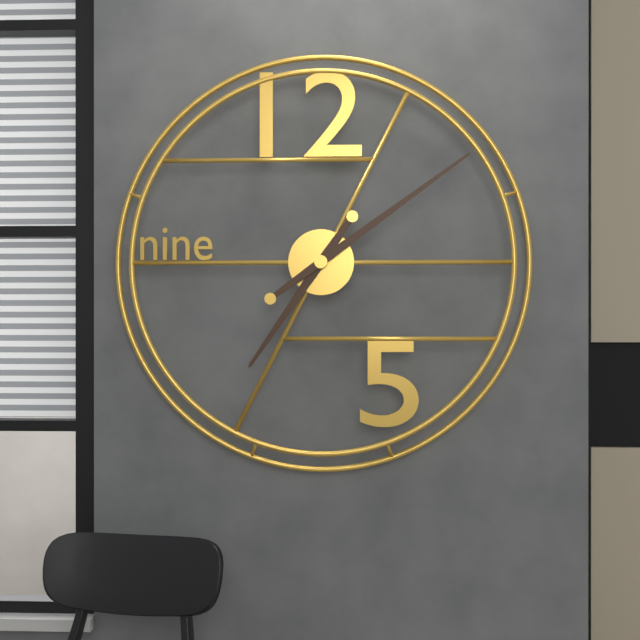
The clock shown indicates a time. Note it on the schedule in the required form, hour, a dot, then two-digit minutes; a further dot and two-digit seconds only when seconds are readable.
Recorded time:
7.09
